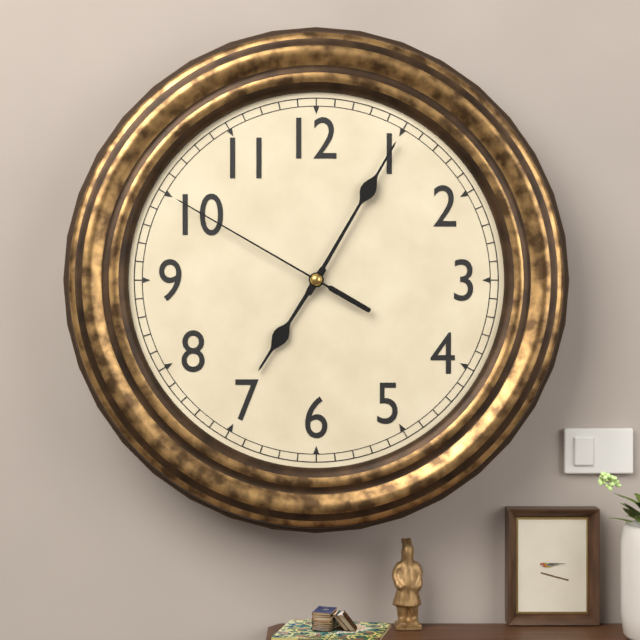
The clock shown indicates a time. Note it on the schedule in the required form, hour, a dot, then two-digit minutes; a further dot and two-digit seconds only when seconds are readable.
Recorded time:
7.05.50
